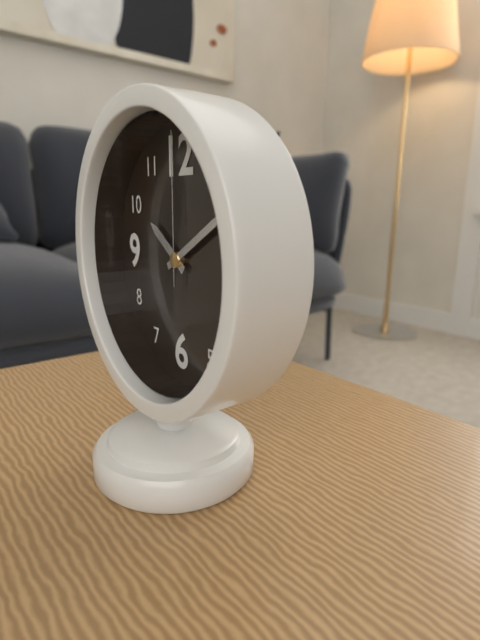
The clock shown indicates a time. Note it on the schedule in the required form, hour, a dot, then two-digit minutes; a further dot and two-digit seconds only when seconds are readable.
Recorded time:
10.10.00
